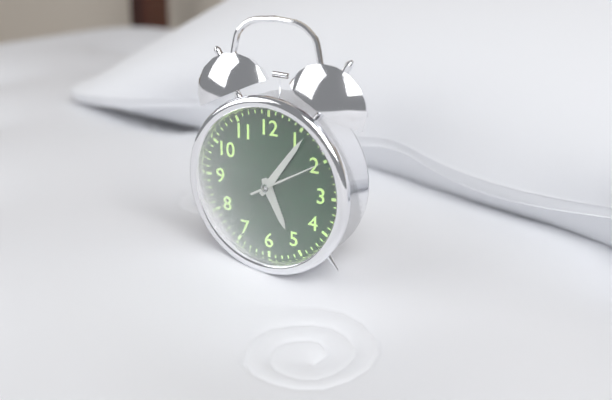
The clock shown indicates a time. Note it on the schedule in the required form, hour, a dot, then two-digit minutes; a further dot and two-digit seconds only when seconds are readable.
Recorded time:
5.06.10
